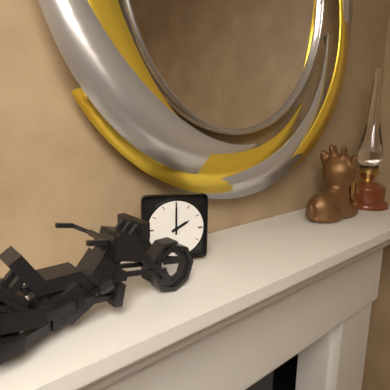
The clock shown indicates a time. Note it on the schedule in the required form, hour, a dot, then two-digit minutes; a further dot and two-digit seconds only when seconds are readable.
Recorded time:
2.00
